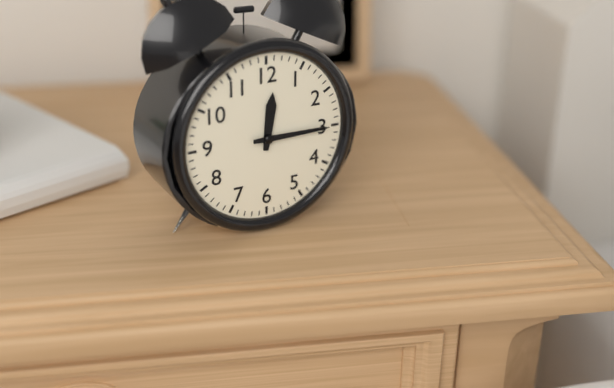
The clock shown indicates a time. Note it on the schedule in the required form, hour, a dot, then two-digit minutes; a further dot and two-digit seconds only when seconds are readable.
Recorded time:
12.15
